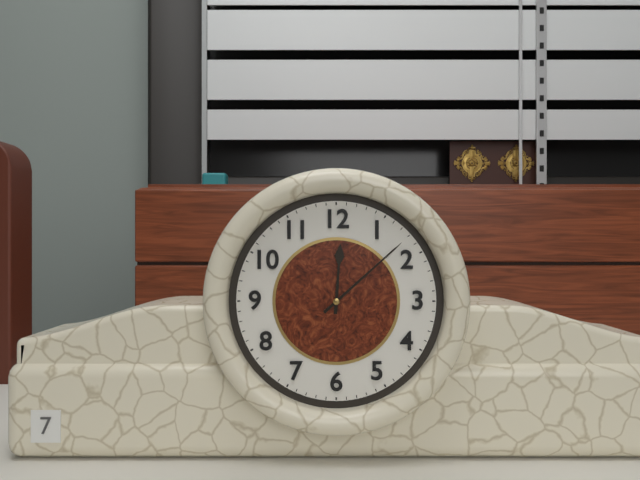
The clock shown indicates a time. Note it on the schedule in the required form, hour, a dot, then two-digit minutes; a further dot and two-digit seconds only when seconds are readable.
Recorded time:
12.08
